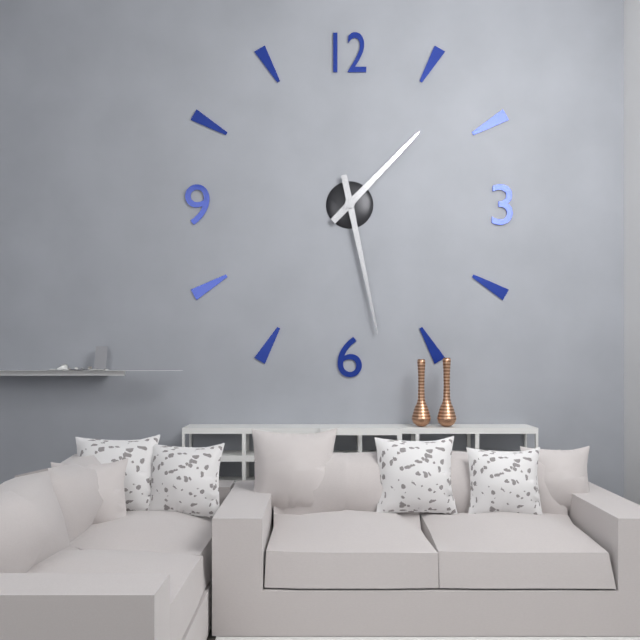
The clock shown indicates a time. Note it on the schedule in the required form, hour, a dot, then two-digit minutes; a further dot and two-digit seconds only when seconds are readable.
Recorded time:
1.28
